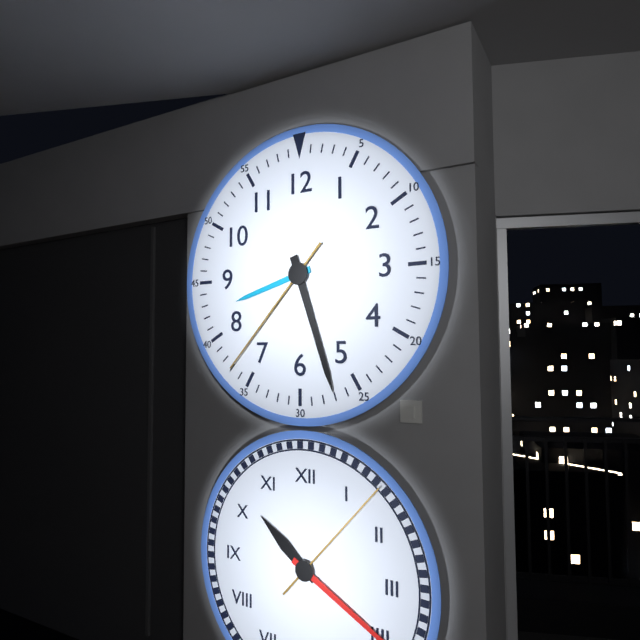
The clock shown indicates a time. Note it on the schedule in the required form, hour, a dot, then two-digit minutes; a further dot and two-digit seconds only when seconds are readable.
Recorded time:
8.27.37
